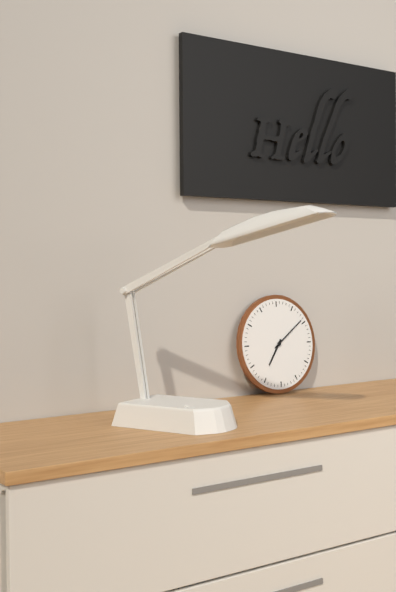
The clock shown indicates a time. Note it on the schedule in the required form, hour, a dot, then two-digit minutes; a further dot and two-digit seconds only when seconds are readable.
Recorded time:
7.09
